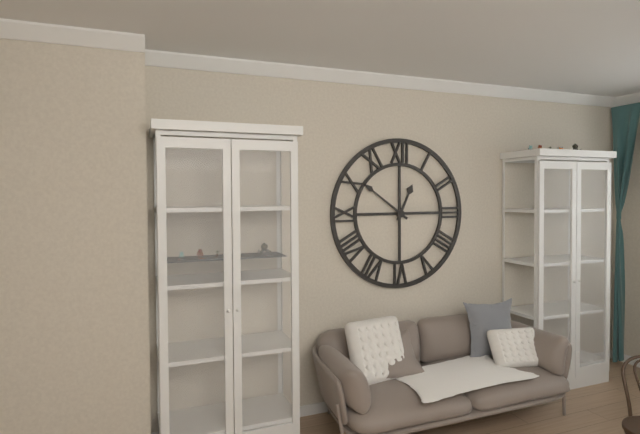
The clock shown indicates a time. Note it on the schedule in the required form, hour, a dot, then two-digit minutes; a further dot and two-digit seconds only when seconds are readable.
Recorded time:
12.51
